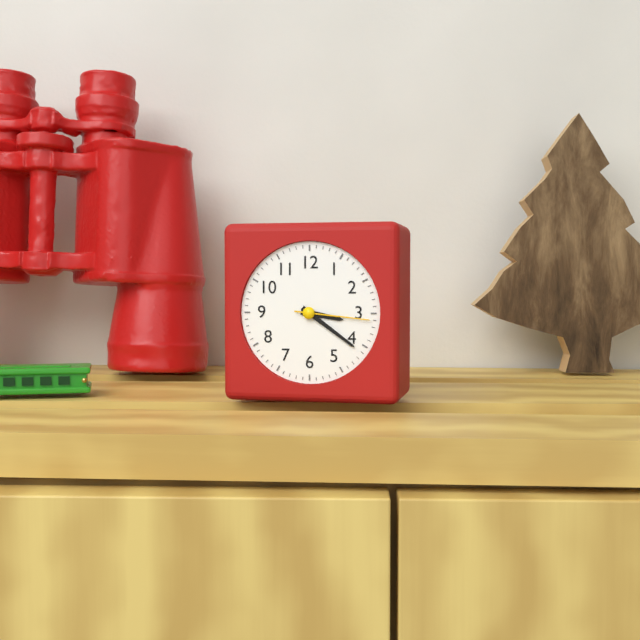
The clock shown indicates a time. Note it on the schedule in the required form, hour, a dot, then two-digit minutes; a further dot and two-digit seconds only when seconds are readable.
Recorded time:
3.21.16
